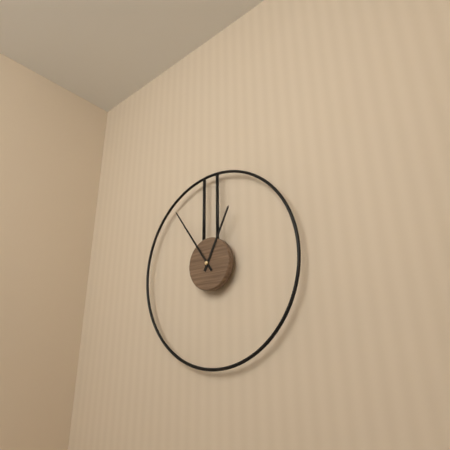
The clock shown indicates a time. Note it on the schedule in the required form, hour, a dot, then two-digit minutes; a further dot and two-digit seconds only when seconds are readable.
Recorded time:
12.54
